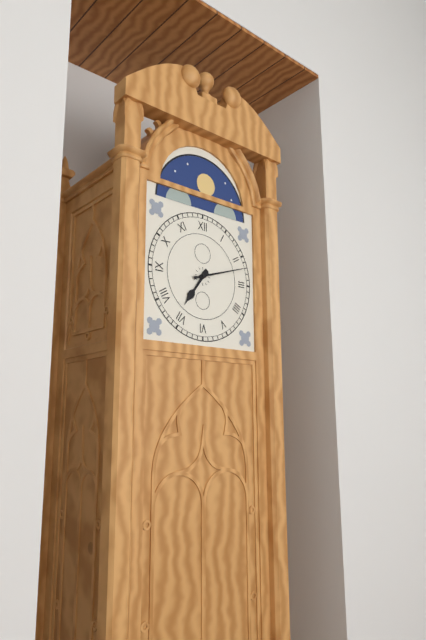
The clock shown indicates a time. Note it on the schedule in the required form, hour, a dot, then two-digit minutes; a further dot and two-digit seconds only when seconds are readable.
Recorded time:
7.12
